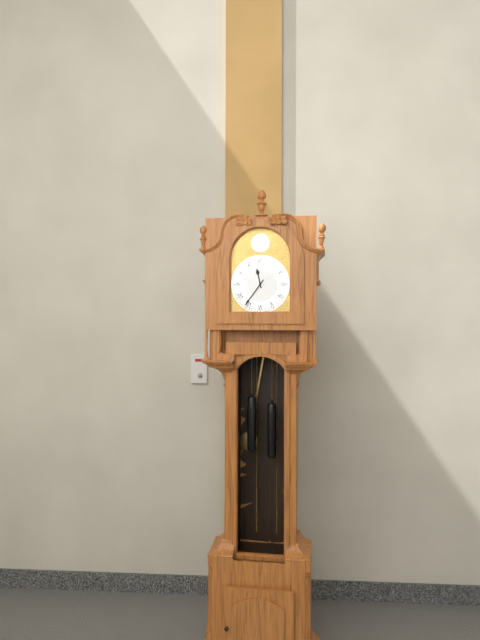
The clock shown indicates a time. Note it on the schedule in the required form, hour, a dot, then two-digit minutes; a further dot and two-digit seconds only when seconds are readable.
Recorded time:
11.36
